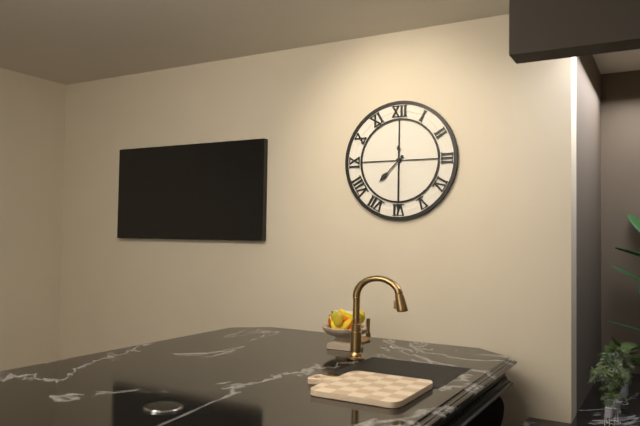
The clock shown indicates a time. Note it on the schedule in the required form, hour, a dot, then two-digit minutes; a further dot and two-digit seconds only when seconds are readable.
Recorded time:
7.30
